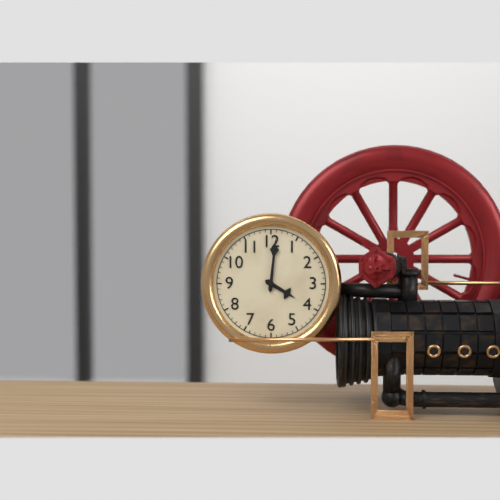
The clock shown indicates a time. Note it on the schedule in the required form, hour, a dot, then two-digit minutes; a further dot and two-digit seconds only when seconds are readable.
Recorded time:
4.01
